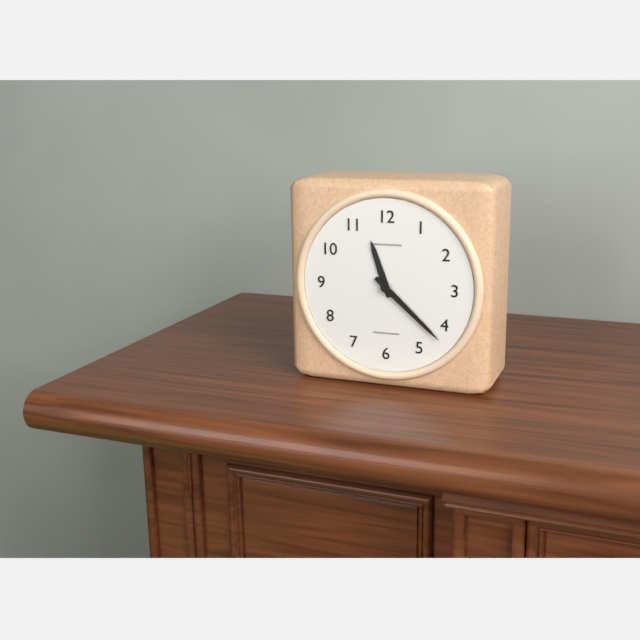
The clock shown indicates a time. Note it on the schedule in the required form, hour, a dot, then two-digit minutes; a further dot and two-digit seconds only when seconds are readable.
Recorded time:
11.22
